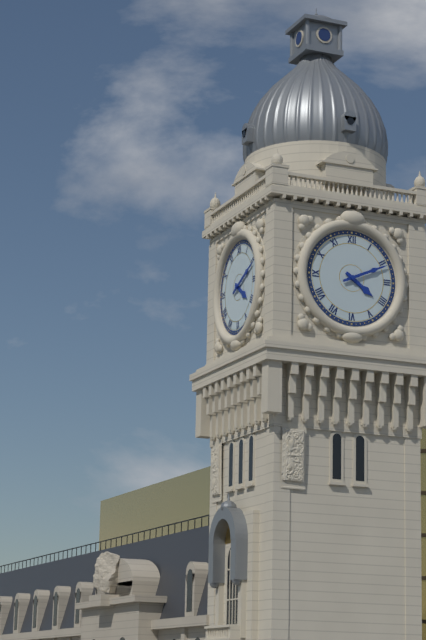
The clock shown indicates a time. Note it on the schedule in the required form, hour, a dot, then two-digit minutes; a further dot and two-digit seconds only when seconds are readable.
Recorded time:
4.11
